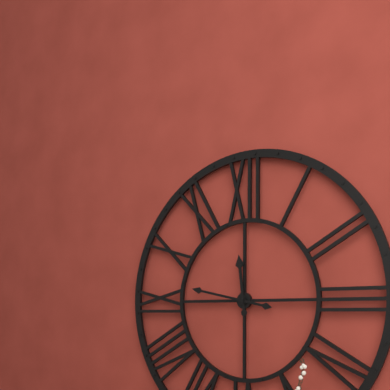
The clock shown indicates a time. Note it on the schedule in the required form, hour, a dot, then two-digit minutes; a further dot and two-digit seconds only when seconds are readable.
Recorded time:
11.47
